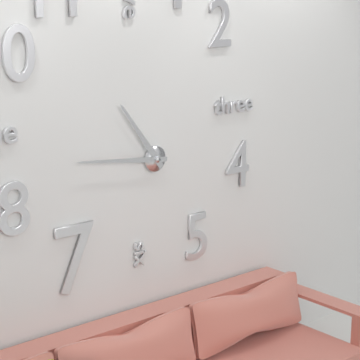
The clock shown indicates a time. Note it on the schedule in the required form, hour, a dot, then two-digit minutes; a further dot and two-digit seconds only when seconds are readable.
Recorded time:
10.46
